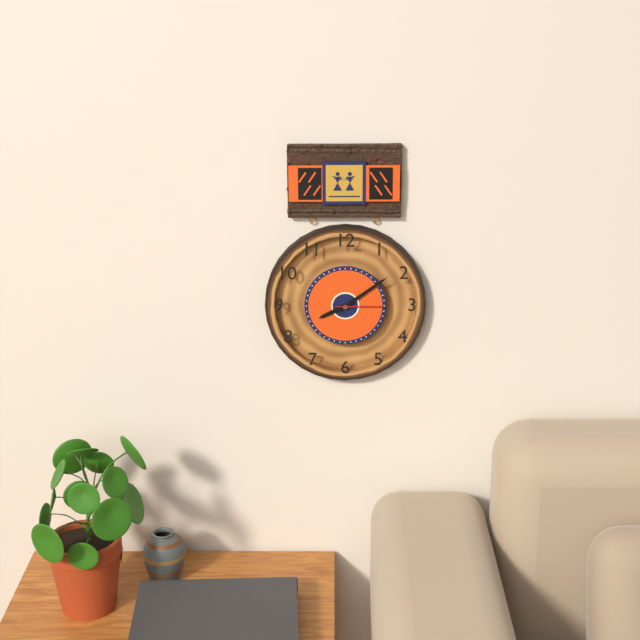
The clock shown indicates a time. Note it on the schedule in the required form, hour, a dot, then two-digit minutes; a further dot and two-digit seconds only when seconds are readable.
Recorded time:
8.09.15
